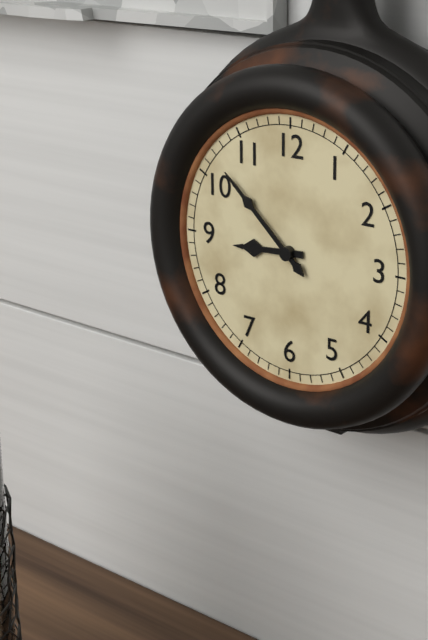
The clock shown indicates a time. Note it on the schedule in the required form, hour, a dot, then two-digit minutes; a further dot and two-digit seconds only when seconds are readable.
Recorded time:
8.52
